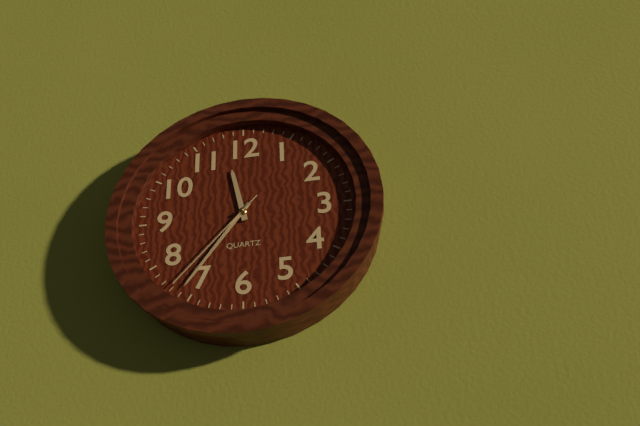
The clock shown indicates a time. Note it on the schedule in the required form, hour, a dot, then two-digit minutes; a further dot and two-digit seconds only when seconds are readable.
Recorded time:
11.36.37
